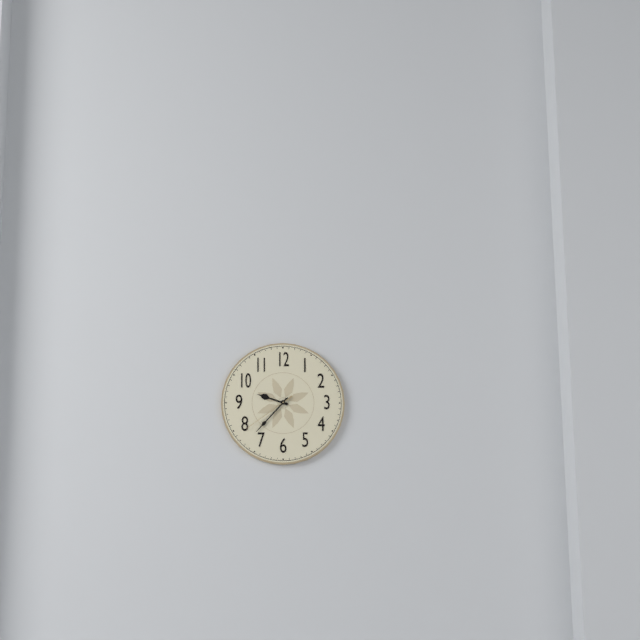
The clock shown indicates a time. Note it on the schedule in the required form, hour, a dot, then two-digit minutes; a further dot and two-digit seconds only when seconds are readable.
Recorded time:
9.37.39
